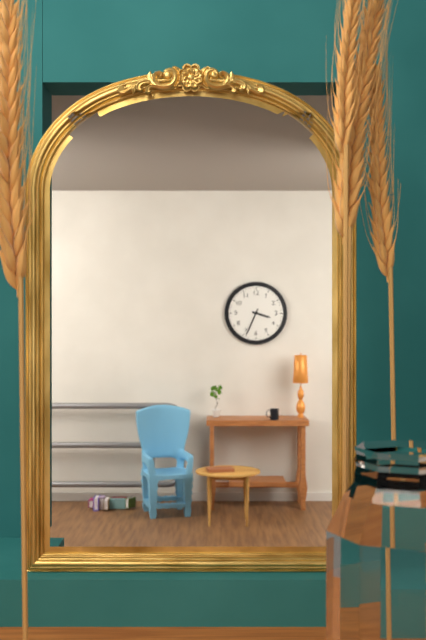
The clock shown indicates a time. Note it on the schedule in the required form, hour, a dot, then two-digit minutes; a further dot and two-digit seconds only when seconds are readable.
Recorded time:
3.34
